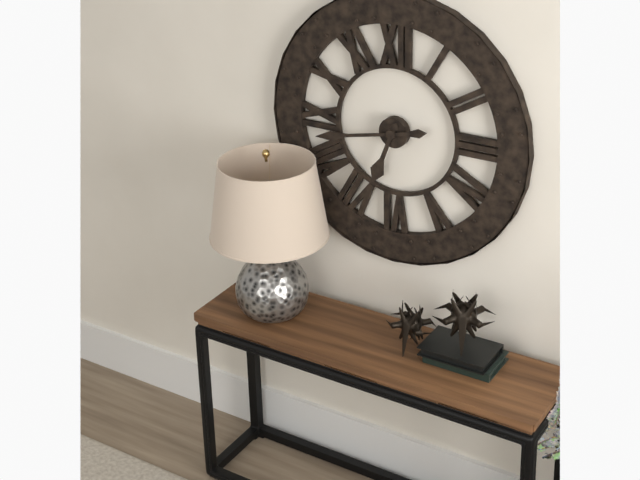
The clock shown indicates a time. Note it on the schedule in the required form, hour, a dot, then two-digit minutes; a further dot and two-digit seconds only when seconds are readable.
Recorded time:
6.43
